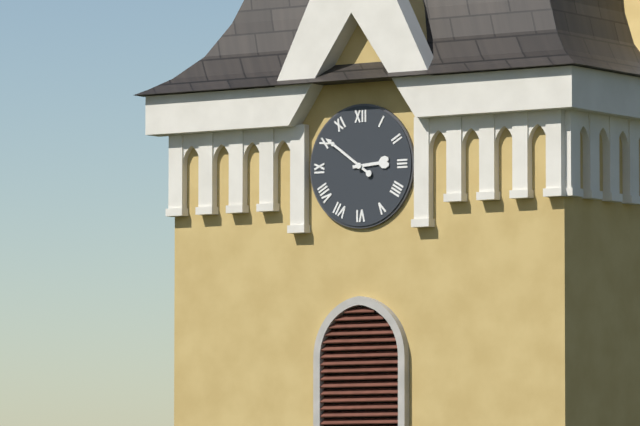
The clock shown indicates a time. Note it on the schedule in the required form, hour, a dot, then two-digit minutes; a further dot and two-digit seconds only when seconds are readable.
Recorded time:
2.51
